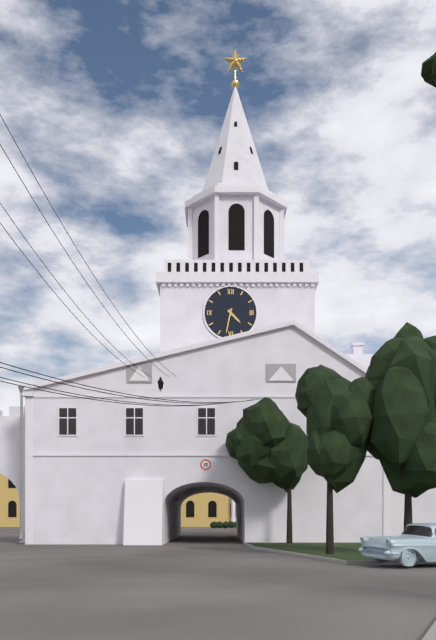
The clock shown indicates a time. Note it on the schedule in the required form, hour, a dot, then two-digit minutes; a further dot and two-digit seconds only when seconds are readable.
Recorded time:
4.32
